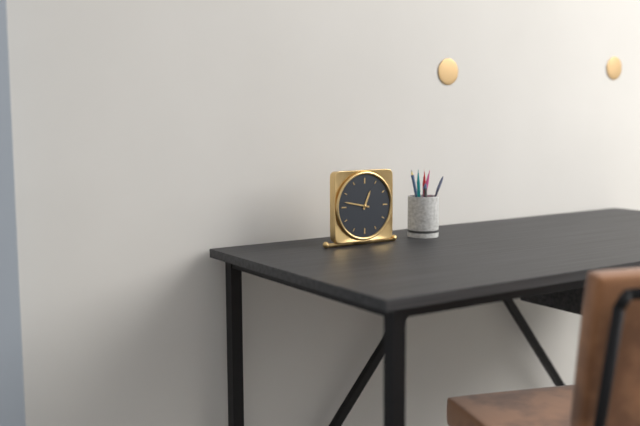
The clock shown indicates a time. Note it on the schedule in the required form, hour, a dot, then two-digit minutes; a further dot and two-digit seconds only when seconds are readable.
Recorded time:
12.47
